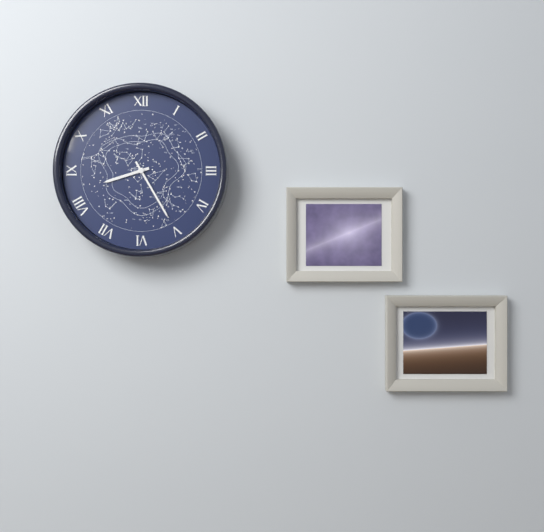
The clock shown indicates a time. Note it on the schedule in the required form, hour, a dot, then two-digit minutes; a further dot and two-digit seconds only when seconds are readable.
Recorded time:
8.25
